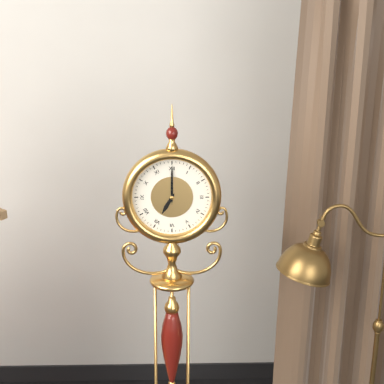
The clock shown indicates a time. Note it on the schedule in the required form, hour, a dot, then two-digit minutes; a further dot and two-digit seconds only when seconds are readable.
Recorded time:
7.00
